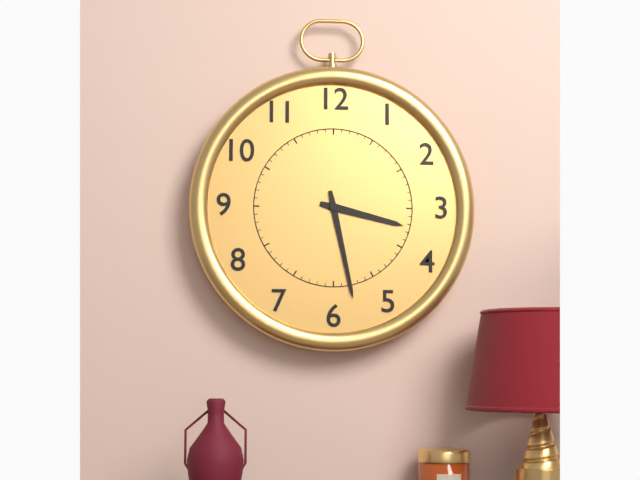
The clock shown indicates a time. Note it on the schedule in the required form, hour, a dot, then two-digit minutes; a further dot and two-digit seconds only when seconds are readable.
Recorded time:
3.28
